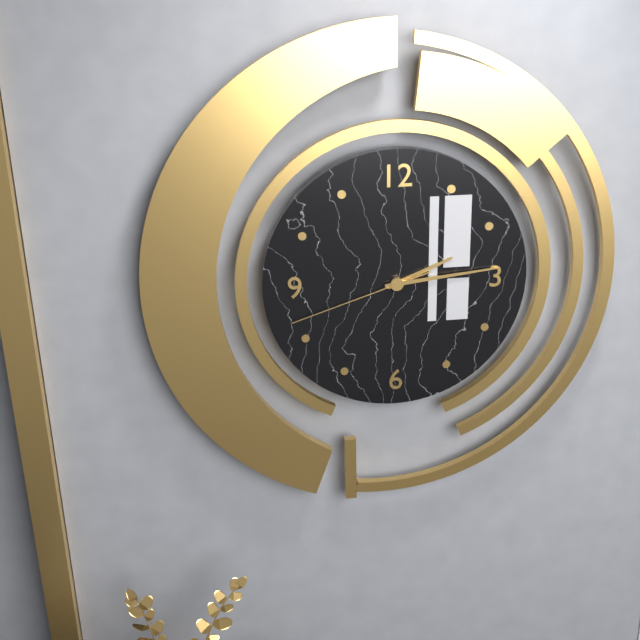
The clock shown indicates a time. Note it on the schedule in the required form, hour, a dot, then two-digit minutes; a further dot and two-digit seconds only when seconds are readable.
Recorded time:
2.14.42
